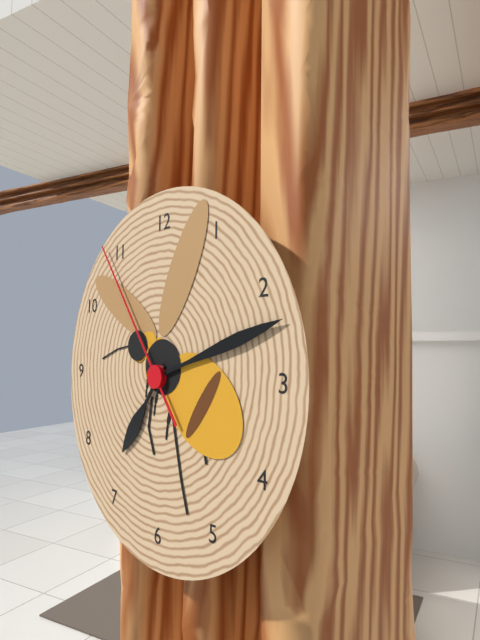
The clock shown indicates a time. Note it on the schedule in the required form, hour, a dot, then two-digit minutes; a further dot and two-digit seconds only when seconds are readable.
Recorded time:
7.12.54
